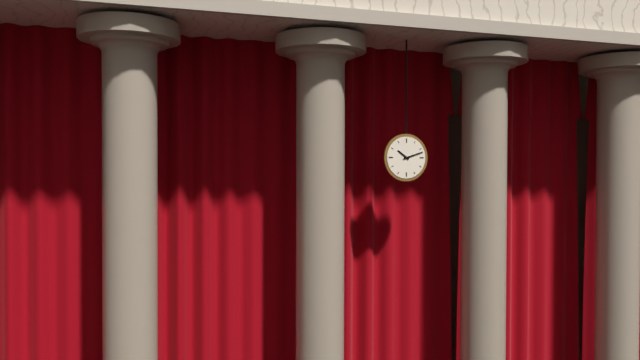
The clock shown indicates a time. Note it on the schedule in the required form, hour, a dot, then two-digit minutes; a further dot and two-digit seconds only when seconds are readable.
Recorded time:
10.12
